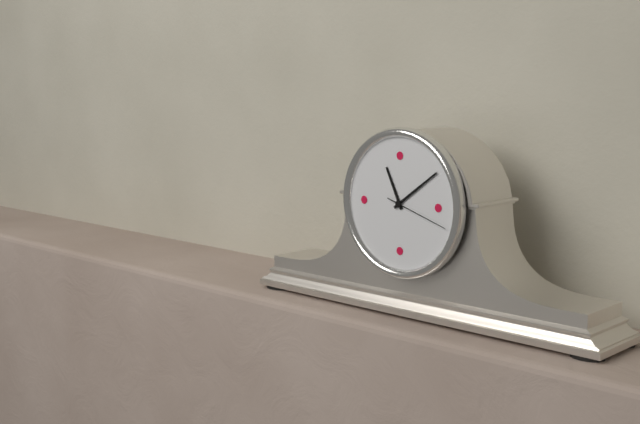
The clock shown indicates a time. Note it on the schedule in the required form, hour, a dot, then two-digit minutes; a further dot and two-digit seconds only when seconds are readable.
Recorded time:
11.09.18
